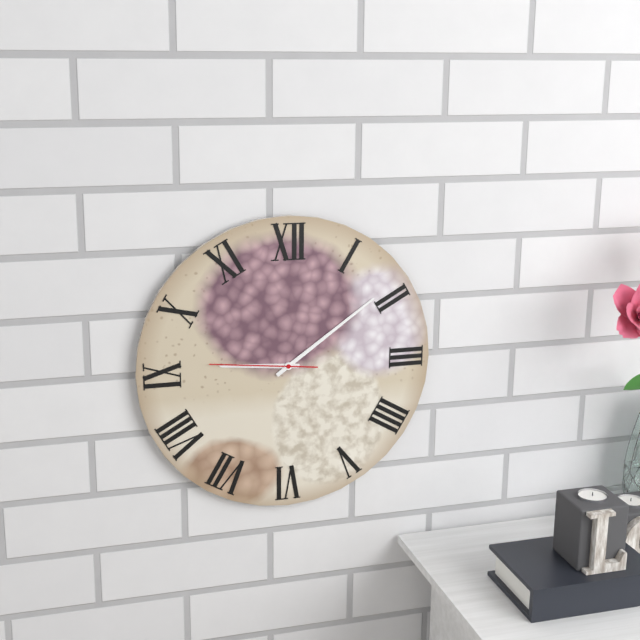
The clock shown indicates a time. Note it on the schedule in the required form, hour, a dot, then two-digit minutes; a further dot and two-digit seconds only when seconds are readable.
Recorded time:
9.09.46
